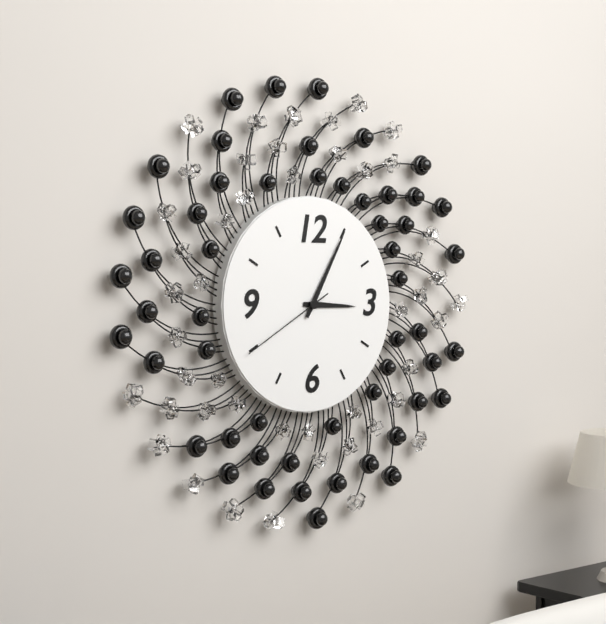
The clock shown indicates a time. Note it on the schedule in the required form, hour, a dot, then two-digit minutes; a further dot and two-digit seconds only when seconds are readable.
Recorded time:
3.05.40
